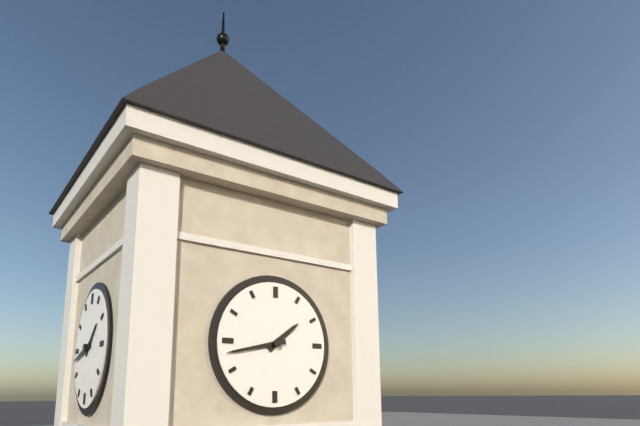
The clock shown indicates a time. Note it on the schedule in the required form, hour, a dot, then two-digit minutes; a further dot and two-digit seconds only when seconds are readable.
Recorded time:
1.43
